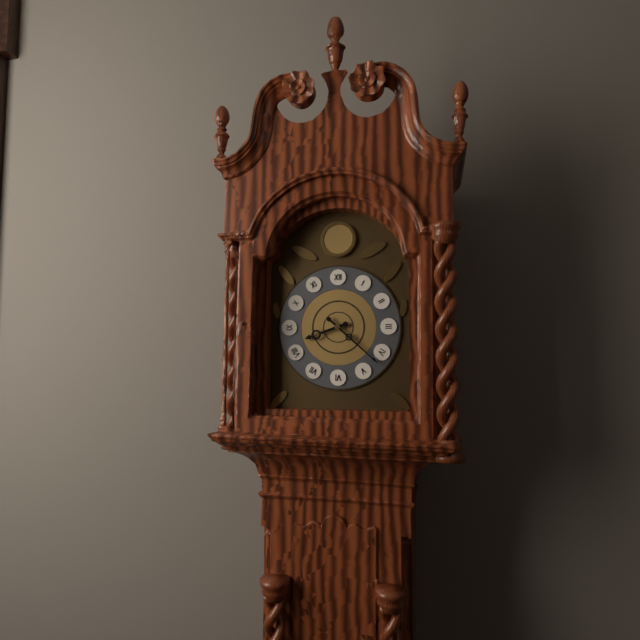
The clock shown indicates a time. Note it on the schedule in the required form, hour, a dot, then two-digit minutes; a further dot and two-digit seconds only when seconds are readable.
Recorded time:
8.22
